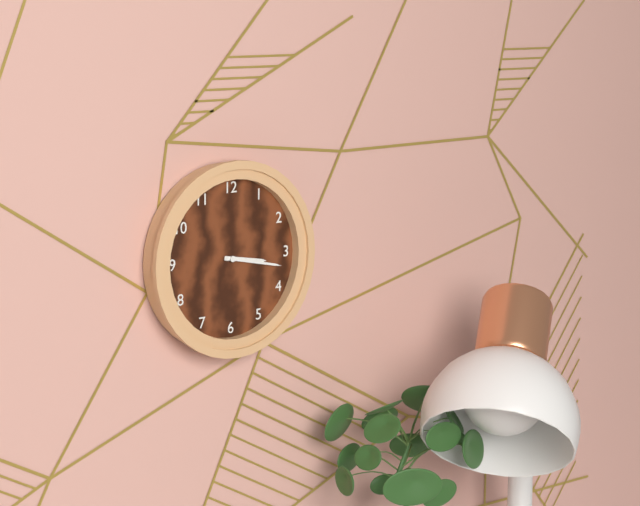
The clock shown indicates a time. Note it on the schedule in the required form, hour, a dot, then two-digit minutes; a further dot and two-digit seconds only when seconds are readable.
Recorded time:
3.17
